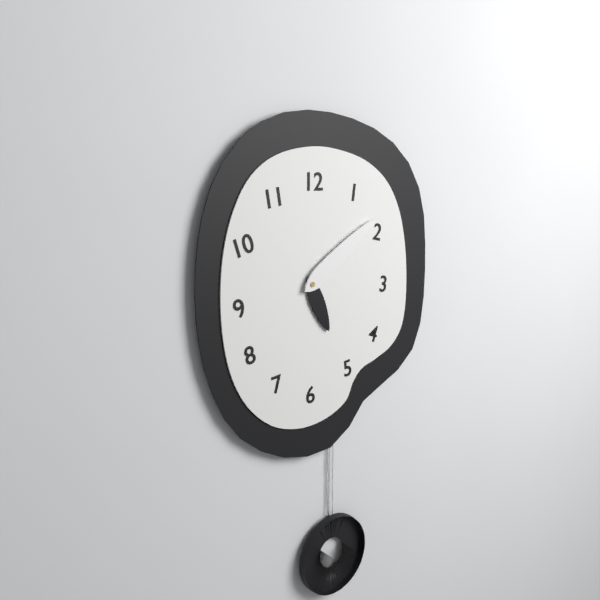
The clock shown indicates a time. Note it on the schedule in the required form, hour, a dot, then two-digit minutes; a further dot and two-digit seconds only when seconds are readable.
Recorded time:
5.09
